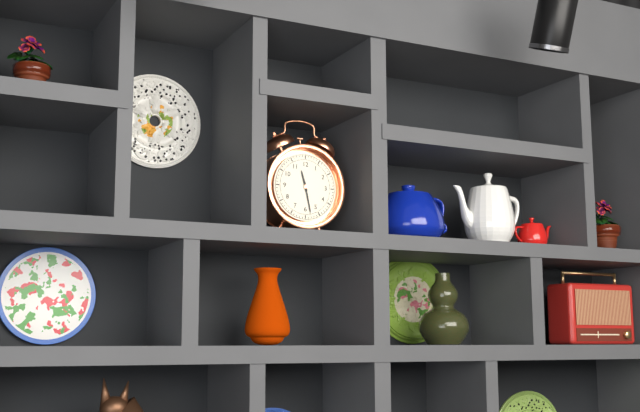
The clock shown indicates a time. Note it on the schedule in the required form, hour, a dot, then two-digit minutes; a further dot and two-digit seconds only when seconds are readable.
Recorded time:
11.28
